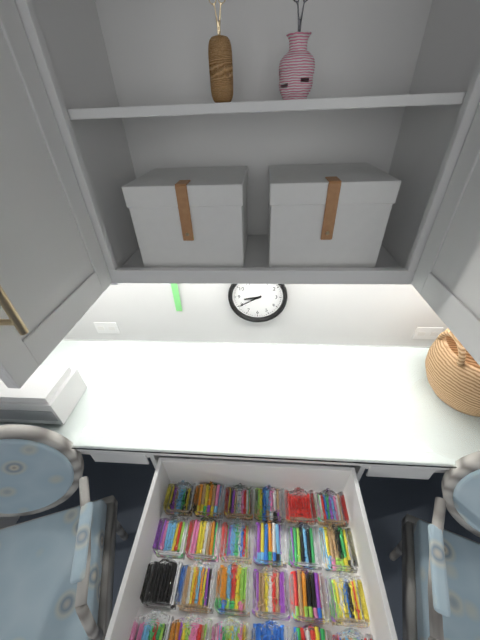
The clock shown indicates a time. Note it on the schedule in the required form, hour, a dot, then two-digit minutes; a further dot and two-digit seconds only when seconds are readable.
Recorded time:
8.40
